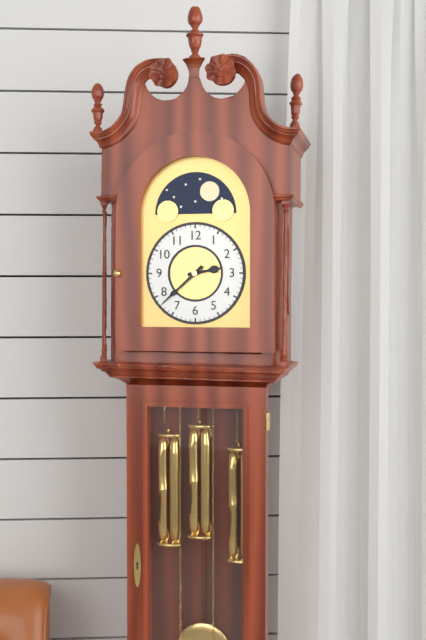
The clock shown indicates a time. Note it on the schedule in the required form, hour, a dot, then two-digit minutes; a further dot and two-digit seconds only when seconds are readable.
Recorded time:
2.38
